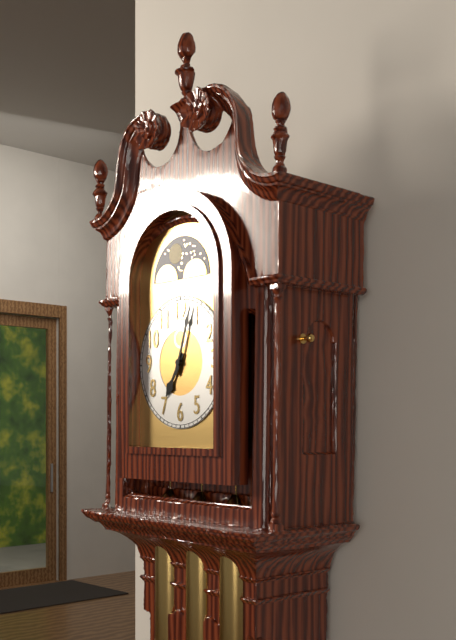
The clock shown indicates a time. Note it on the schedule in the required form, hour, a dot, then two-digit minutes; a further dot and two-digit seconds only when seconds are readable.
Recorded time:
7.03
